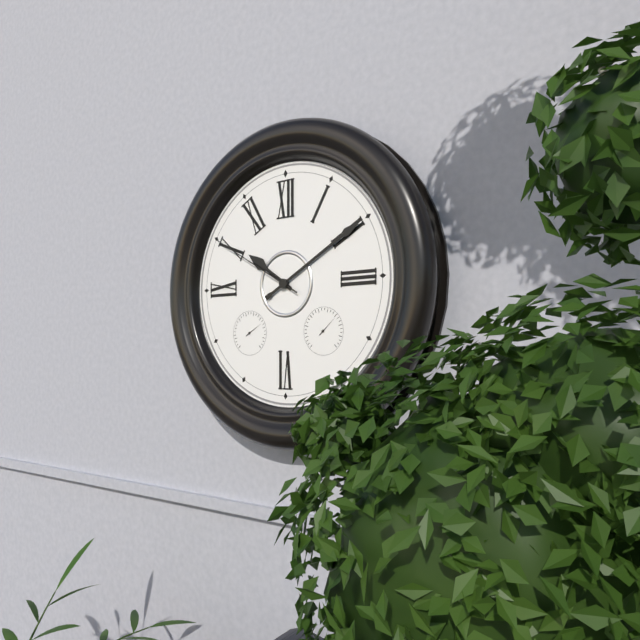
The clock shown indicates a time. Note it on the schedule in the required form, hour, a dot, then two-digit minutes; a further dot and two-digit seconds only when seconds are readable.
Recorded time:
10.10.50
